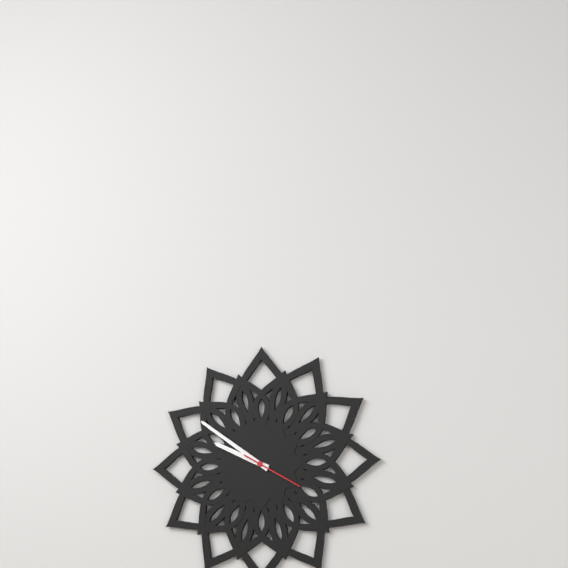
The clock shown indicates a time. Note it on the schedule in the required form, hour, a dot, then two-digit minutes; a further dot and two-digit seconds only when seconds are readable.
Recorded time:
9.51.20
